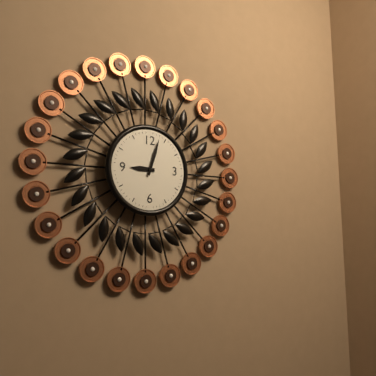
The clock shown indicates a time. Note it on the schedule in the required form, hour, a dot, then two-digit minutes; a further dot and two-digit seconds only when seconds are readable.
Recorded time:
9.03
